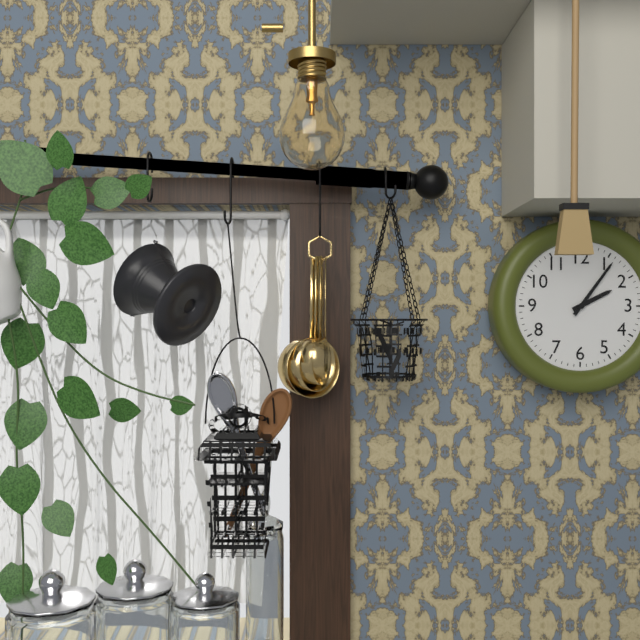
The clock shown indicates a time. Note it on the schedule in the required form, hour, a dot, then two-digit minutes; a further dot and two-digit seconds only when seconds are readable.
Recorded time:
2.06
